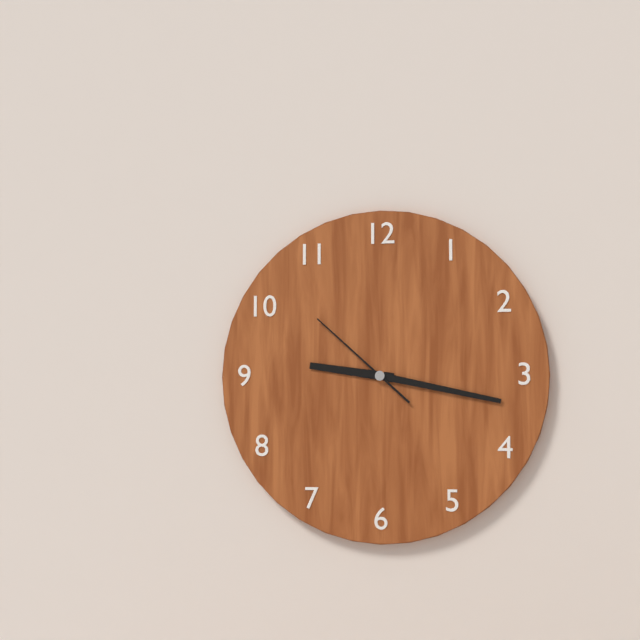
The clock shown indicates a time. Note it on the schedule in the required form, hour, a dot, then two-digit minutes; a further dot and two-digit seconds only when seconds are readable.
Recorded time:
9.17.52
